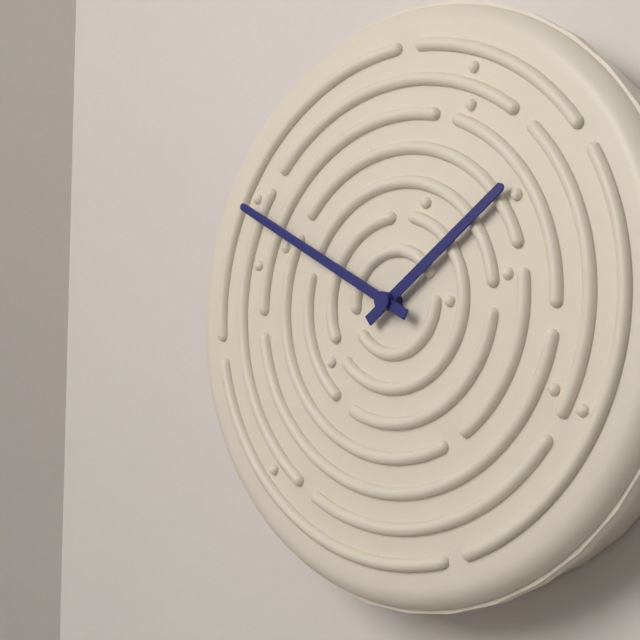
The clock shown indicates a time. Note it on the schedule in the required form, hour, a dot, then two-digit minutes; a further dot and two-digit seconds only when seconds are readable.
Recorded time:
1.50
